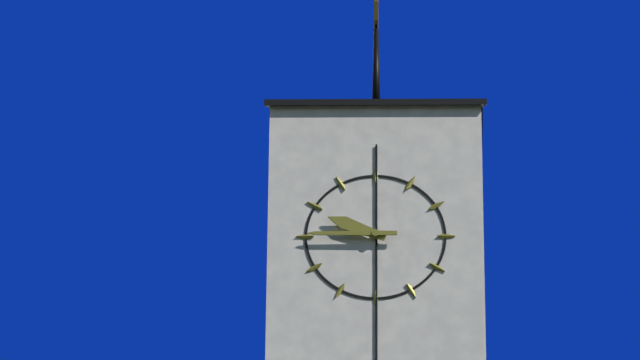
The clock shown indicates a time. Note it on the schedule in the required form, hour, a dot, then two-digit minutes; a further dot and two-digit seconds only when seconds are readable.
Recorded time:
9.45
